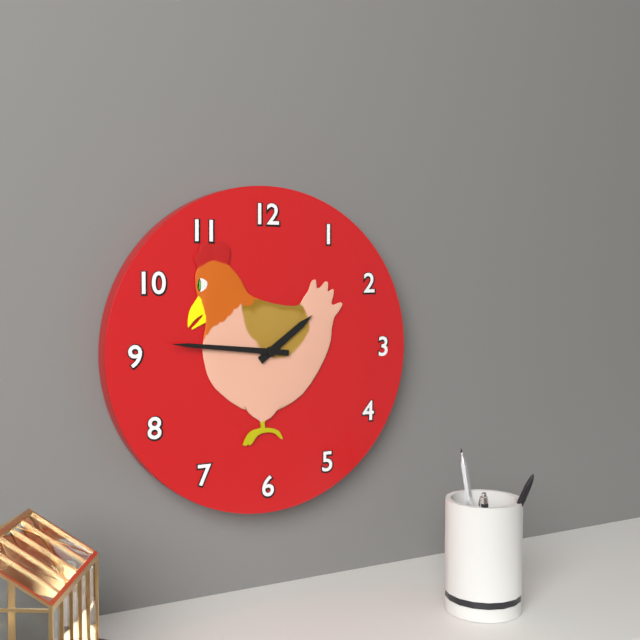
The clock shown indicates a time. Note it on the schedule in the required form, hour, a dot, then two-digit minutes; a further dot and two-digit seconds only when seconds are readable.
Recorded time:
1.46
